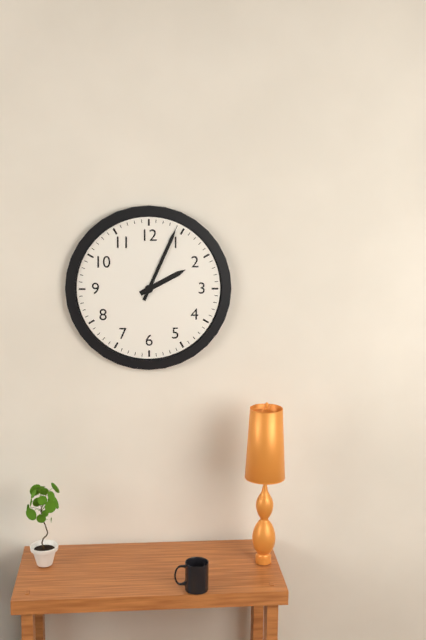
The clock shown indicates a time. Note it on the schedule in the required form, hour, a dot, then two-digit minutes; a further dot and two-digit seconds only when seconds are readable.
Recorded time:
2.04
